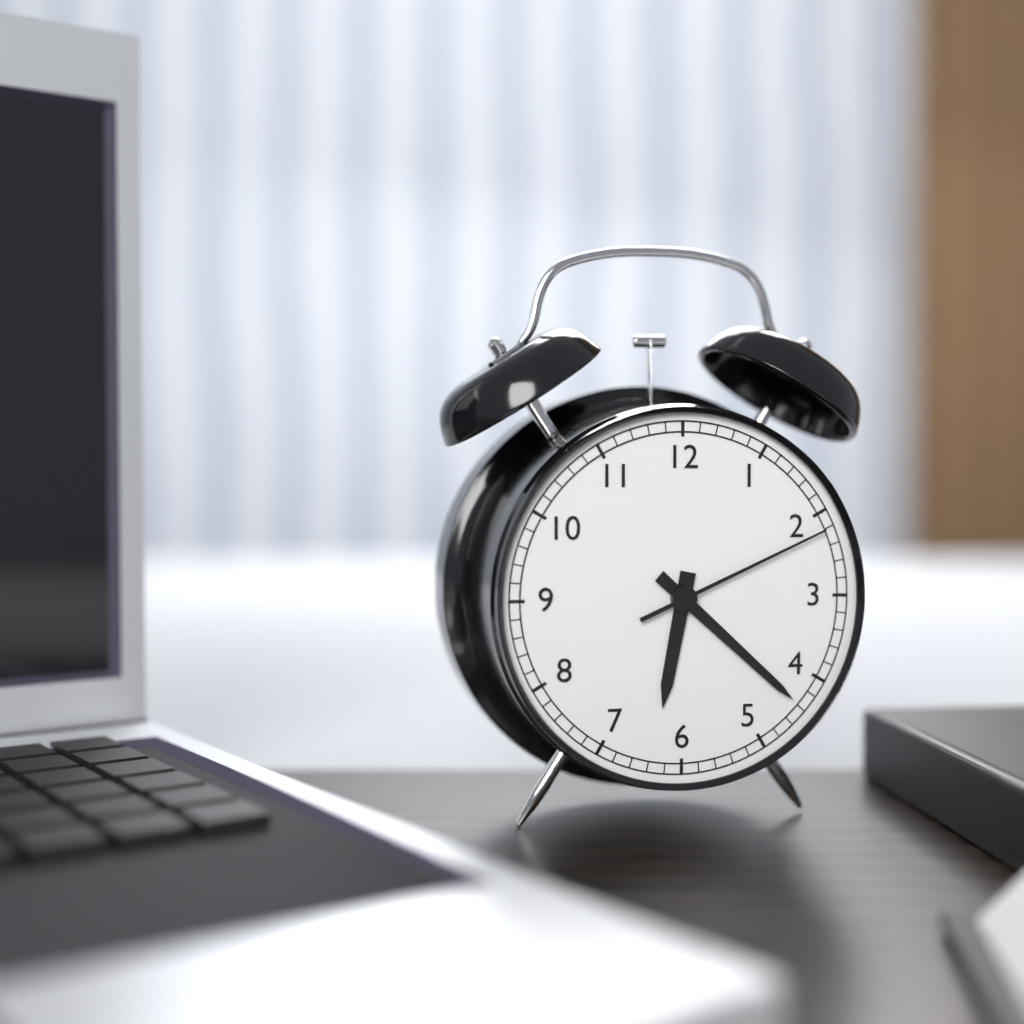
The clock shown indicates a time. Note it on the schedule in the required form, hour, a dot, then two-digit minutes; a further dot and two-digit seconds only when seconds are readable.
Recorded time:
6.22.11
